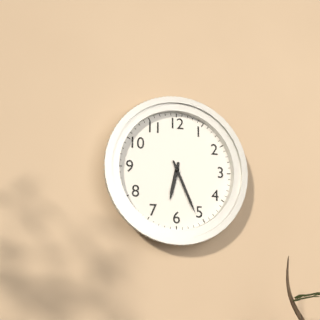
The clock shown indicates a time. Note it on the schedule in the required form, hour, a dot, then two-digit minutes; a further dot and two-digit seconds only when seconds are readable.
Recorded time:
6.26
